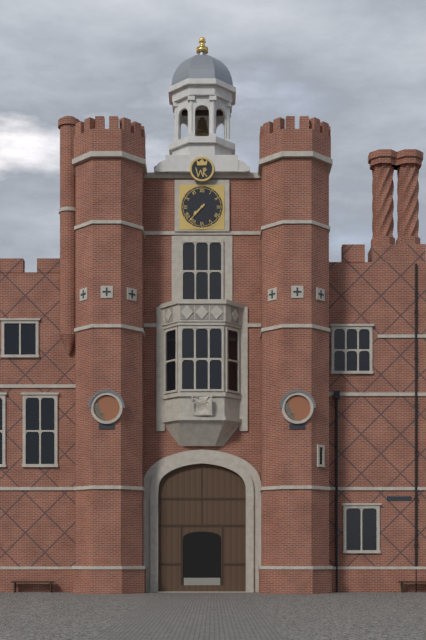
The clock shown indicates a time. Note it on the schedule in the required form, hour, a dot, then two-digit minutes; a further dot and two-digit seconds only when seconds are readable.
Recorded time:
7.37
